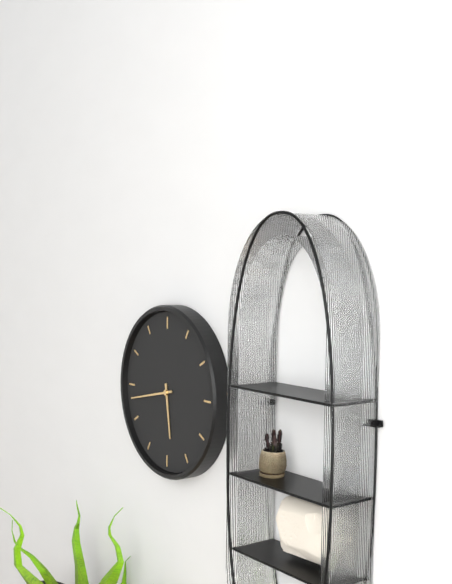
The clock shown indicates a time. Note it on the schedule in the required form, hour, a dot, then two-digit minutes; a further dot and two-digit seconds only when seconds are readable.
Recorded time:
5.43
